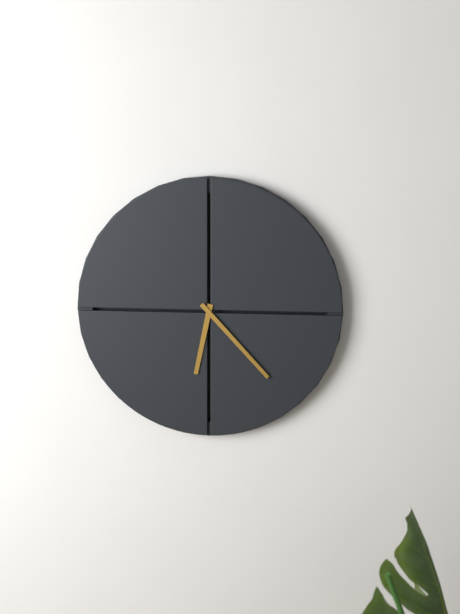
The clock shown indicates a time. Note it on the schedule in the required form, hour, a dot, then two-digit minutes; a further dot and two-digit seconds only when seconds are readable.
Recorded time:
6.23
